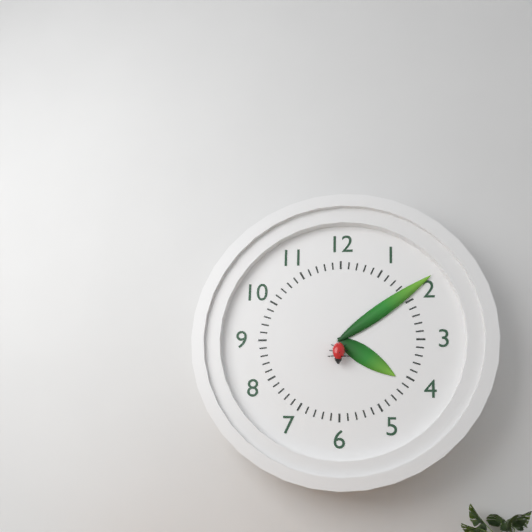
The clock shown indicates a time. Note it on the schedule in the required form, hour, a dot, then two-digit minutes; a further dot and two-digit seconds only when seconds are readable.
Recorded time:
4.09
